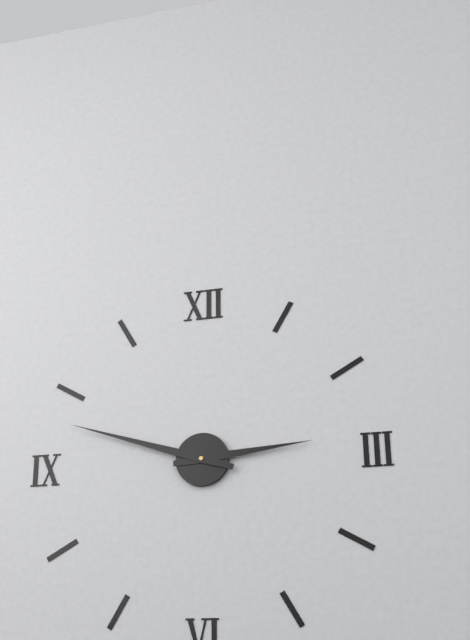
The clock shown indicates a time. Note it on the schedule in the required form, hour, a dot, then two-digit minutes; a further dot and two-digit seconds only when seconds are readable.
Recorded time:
2.48
